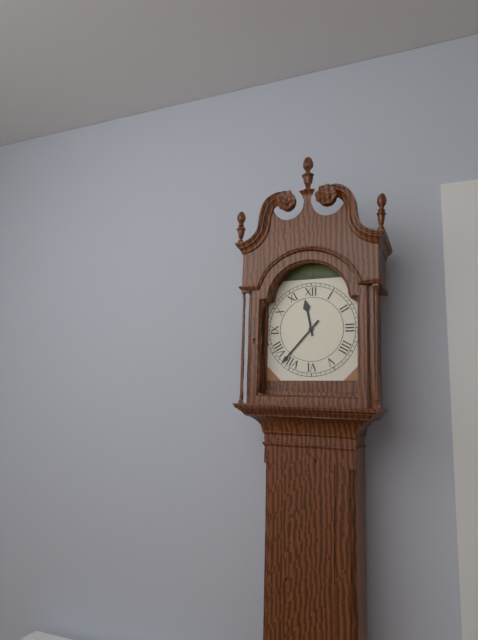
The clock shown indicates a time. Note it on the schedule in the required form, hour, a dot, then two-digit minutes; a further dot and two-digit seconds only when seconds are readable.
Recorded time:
11.37
